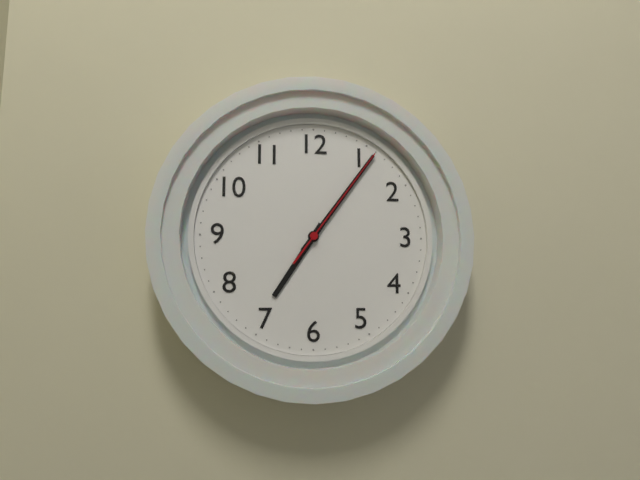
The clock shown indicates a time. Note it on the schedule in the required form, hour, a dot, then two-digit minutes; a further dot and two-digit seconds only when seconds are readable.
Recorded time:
7.06.06
